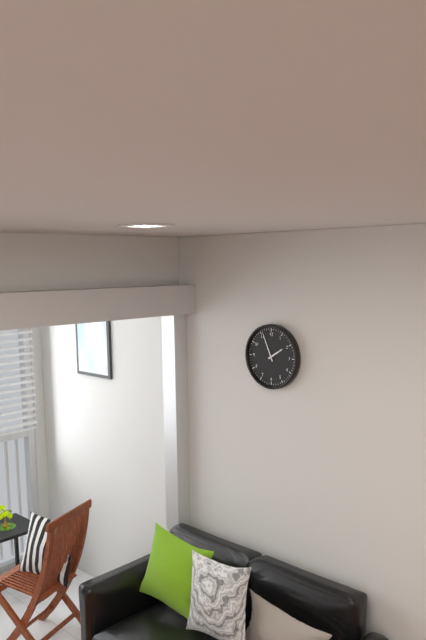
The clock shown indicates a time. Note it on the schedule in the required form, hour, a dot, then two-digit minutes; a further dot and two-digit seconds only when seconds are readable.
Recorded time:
1.56
